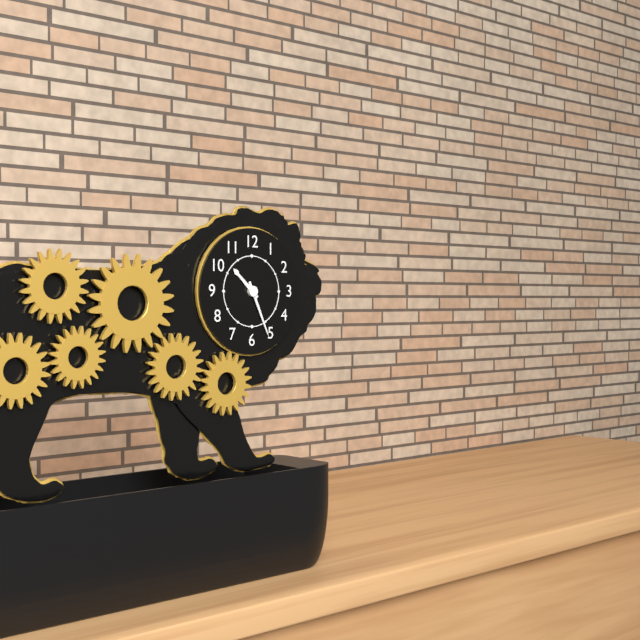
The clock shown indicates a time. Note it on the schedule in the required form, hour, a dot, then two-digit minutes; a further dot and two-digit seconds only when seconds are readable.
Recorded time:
10.26
